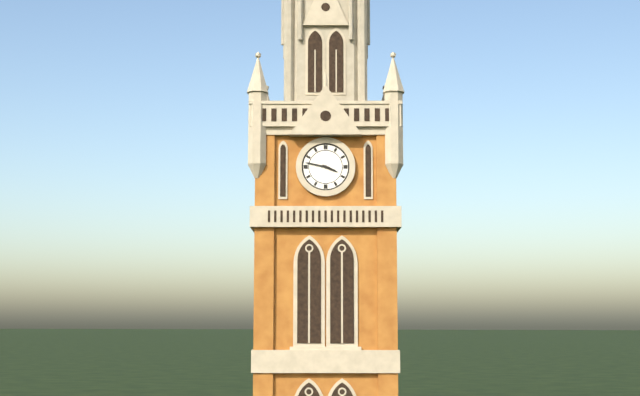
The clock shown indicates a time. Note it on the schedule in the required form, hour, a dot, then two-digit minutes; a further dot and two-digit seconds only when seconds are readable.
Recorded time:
3.47
